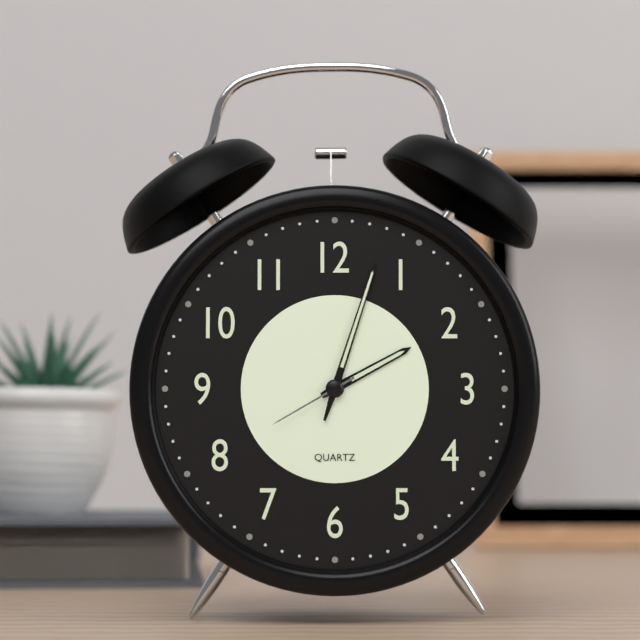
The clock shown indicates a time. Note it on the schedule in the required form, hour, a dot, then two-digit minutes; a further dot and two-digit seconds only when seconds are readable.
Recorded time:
2.03.40
